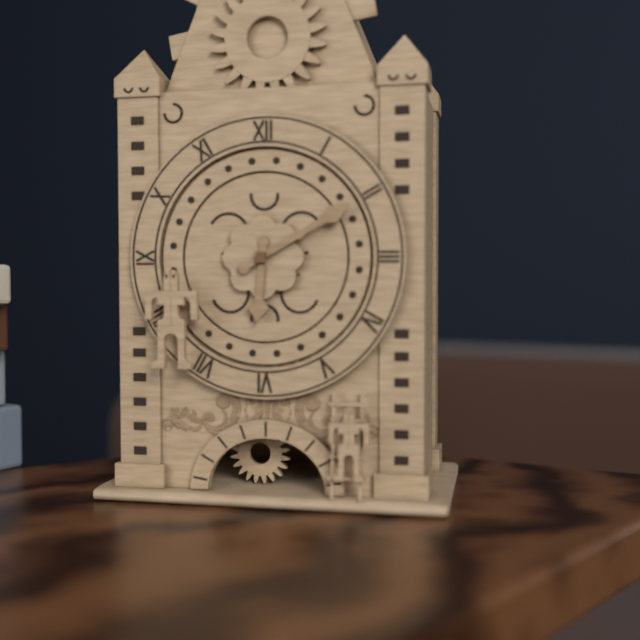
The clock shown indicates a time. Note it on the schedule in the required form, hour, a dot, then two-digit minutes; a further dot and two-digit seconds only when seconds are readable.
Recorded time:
6.10
